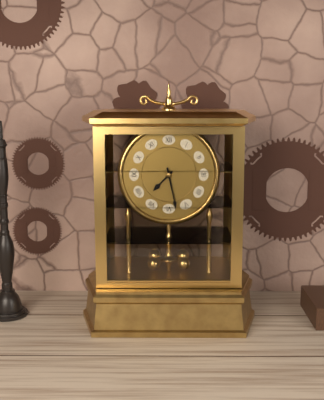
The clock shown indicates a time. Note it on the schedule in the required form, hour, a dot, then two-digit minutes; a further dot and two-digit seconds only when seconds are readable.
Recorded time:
7.28
